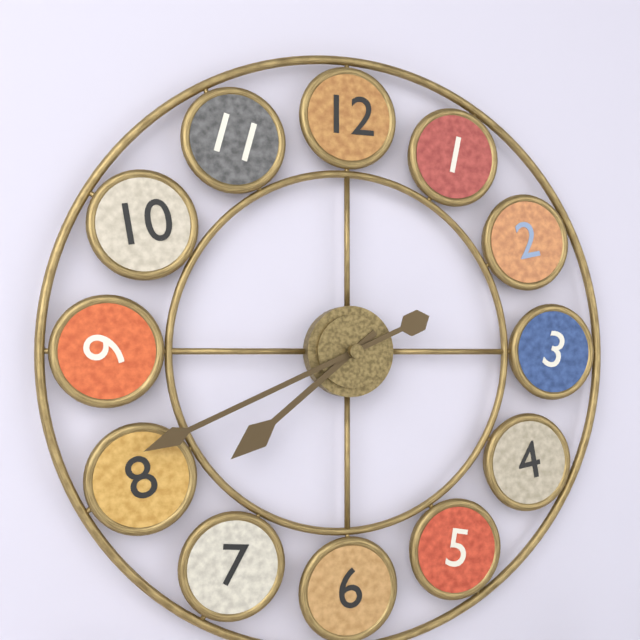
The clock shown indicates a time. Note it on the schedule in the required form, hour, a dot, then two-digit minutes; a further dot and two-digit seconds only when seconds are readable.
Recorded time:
7.41
